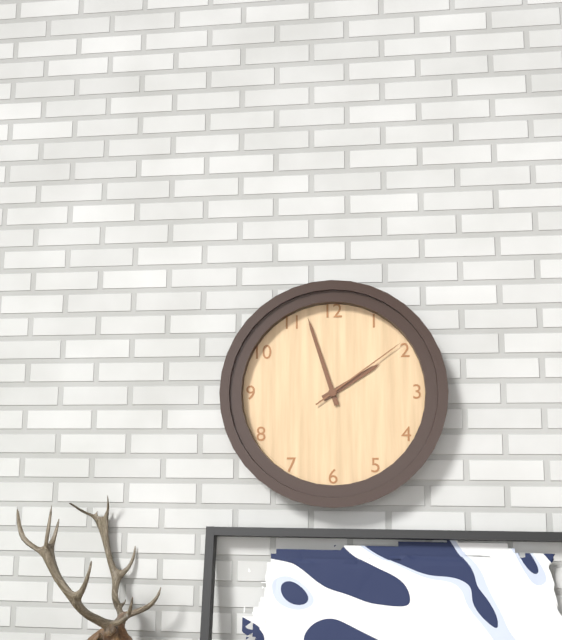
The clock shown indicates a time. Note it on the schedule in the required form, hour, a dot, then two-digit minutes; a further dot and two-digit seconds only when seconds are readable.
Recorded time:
1.57.09
